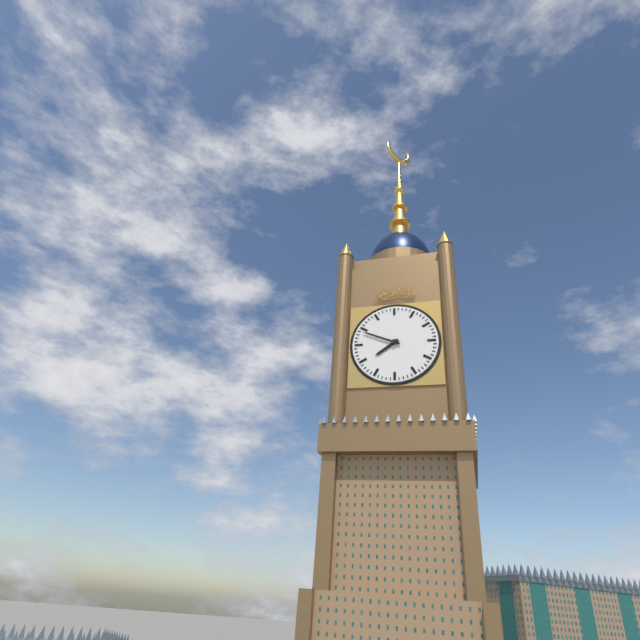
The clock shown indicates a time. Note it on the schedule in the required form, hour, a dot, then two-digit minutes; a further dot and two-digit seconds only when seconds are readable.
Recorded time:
7.49
